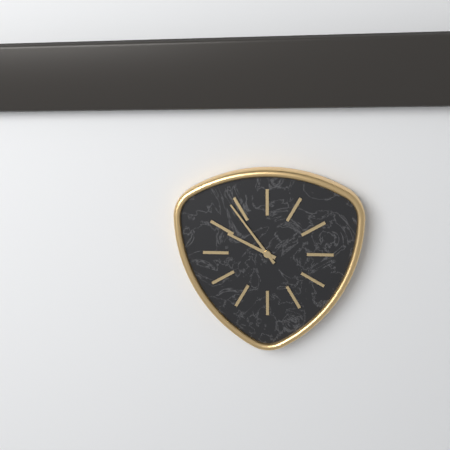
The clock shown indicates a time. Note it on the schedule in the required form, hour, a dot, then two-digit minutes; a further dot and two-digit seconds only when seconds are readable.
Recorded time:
9.54
